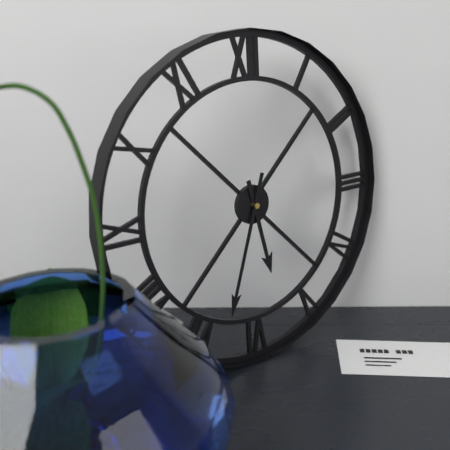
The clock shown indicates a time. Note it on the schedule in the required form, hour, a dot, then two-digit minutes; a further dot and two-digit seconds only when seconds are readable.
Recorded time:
5.33
